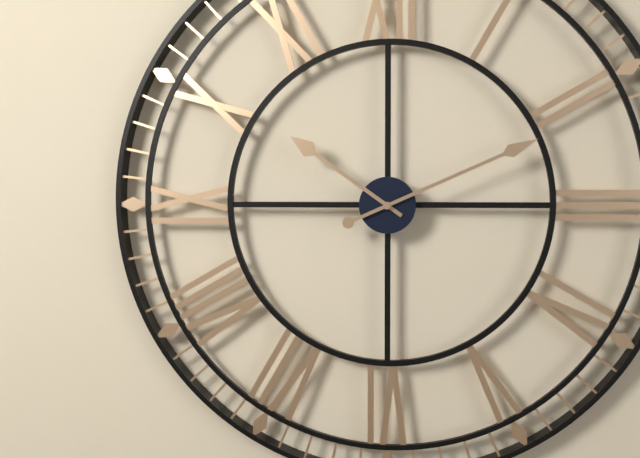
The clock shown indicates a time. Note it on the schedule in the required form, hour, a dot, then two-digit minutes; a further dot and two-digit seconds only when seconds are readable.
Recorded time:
10.11
